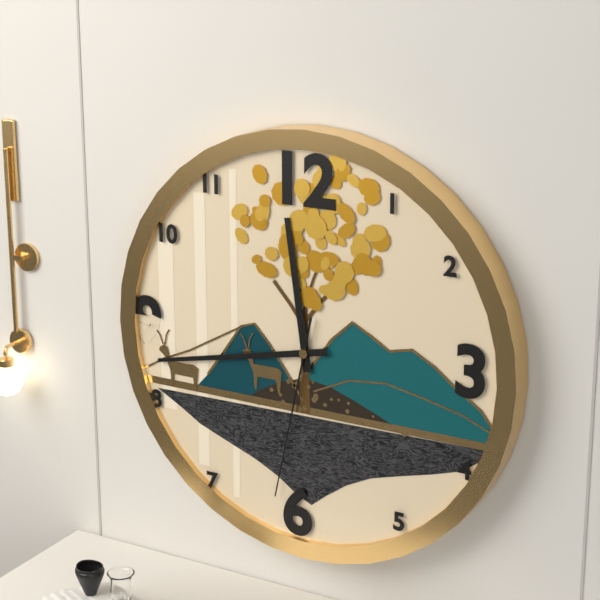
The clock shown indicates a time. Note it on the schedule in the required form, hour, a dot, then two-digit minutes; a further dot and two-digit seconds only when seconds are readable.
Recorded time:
11.43.32
